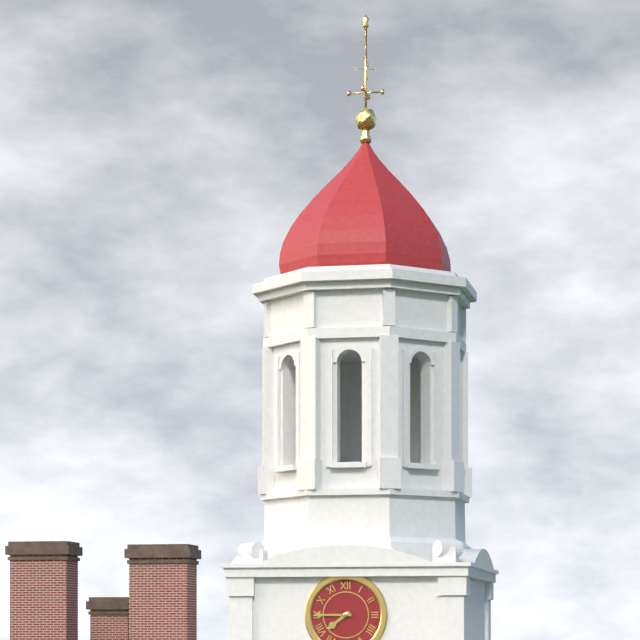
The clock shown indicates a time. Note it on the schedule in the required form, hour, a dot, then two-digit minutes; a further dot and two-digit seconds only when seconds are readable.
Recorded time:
7.45
